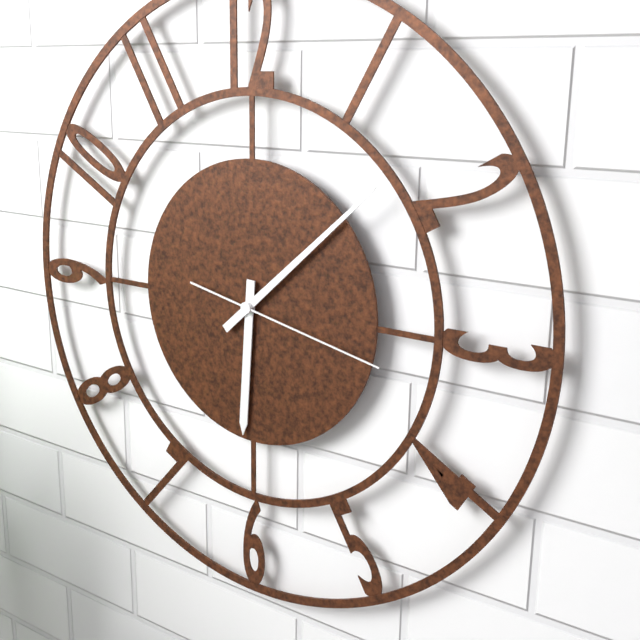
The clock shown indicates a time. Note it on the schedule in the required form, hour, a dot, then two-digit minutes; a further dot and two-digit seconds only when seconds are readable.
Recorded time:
6.08.17
